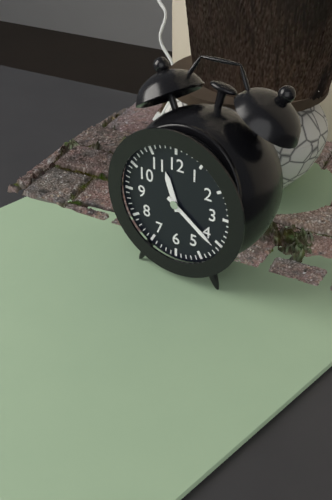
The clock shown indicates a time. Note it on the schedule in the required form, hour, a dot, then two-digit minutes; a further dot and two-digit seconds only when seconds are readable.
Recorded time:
11.21
